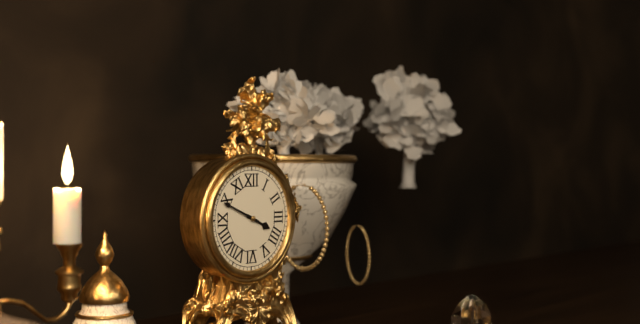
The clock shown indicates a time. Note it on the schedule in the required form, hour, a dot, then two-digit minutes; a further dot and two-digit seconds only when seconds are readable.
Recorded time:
3.49
